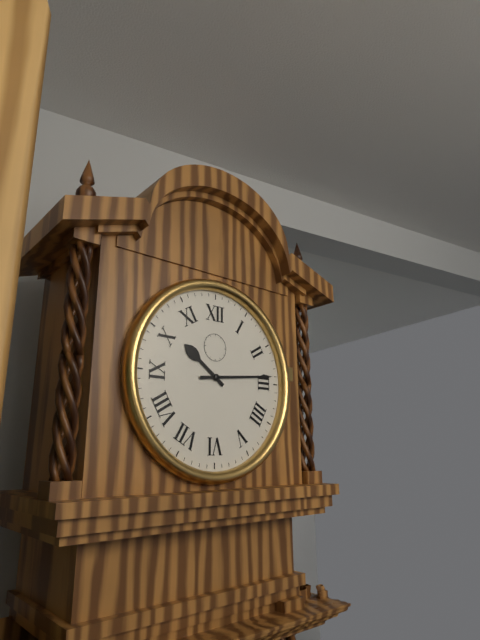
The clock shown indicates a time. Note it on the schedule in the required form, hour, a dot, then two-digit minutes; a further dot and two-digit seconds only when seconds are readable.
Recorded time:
10.14
